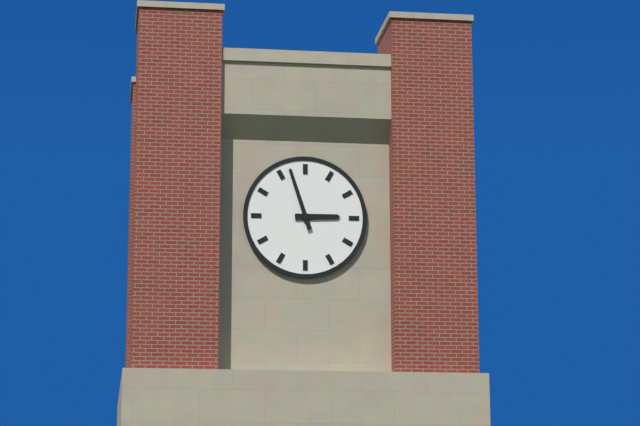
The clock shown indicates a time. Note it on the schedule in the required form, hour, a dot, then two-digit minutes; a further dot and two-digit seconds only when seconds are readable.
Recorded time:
2.57
